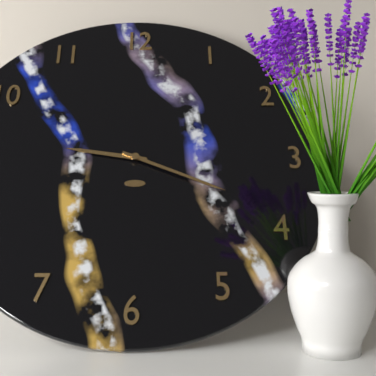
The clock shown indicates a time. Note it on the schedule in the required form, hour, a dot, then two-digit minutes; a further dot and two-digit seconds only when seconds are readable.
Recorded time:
9.19
